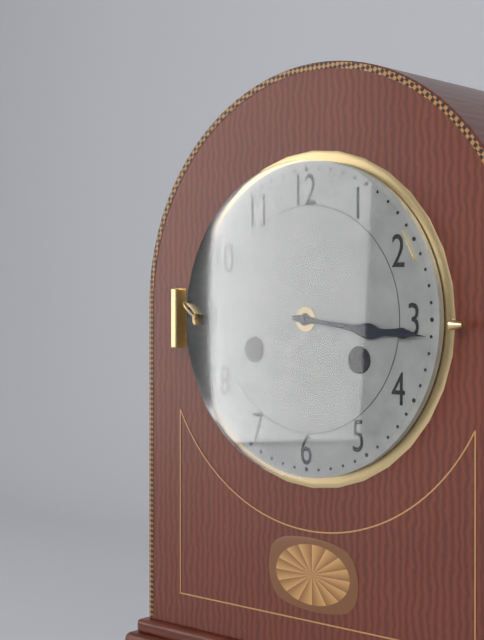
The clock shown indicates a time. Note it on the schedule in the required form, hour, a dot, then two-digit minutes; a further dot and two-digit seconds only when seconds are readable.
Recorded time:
3.16
